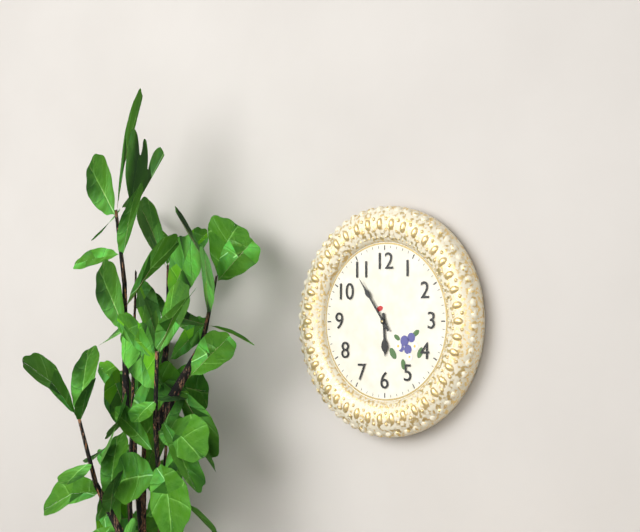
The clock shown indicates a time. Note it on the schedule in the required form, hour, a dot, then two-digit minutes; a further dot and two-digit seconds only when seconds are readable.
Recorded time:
5.54
